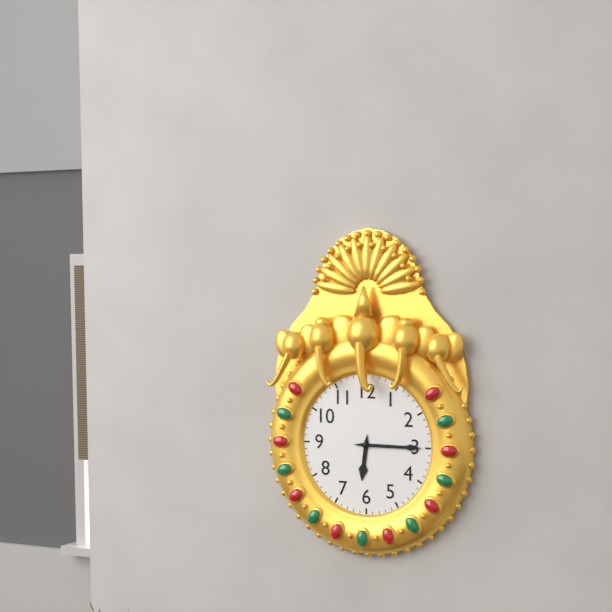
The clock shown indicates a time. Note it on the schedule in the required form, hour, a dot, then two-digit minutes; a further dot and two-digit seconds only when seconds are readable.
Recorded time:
6.15
